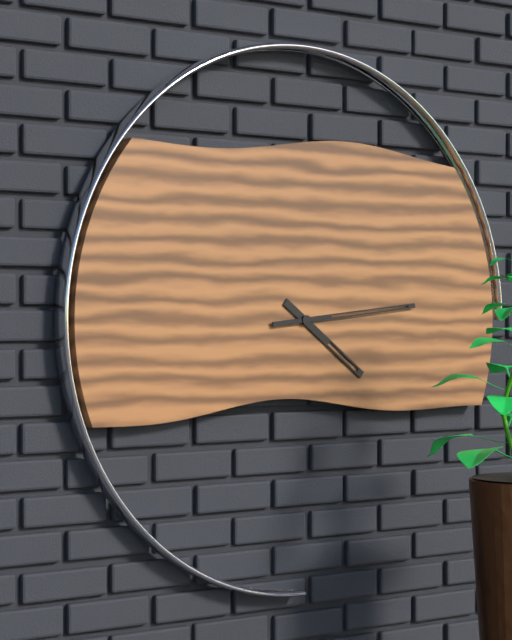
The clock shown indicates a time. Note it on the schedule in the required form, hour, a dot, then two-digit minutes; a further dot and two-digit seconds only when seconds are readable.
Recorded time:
4.14
